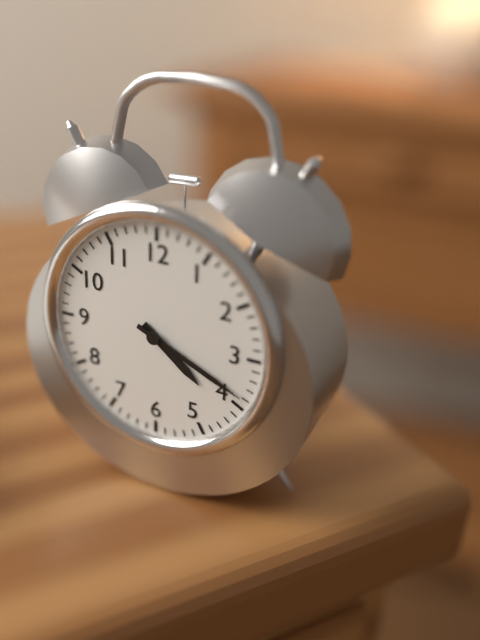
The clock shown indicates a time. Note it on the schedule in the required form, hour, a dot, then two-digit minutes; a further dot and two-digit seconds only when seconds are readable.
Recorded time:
4.19
